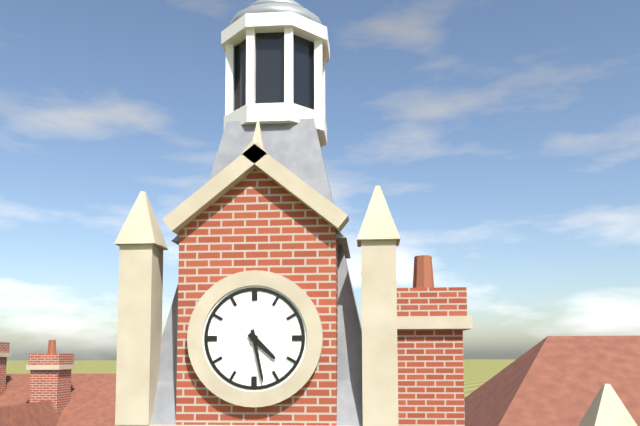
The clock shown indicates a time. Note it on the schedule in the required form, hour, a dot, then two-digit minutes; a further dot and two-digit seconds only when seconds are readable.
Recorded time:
4.28
